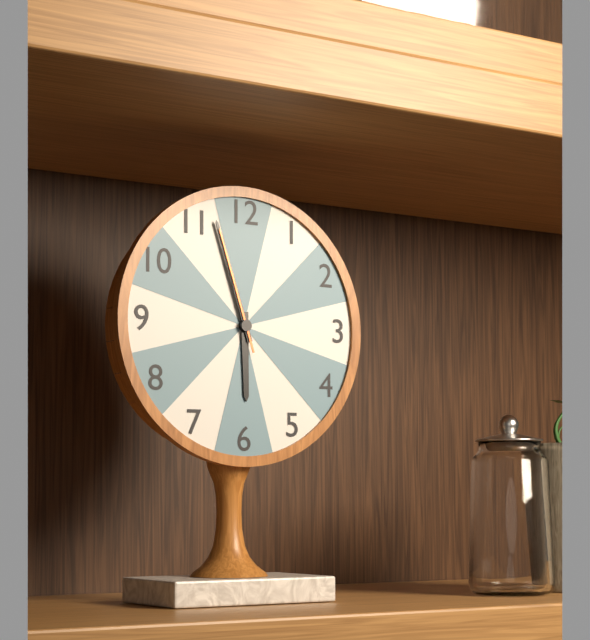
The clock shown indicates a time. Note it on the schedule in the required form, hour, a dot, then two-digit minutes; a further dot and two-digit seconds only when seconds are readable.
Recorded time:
5.57.57
